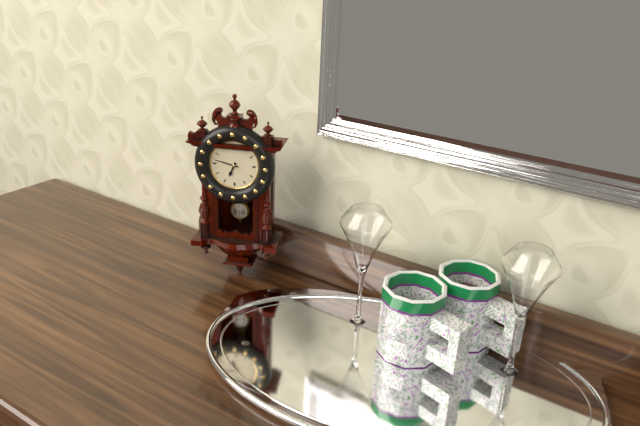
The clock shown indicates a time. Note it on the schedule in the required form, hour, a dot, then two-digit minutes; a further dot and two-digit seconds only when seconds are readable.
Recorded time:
6.47
